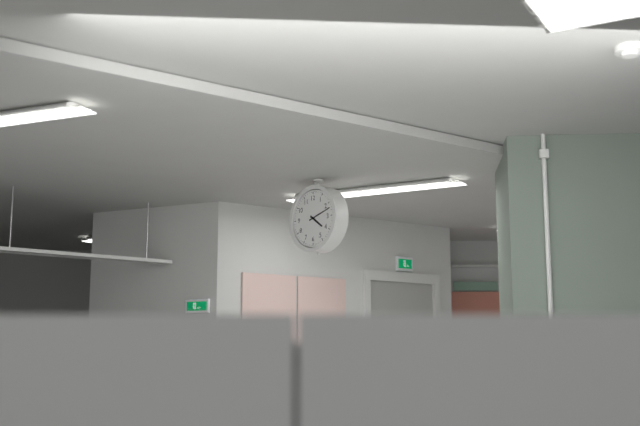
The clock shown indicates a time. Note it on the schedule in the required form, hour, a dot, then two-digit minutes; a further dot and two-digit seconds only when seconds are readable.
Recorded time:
4.12
